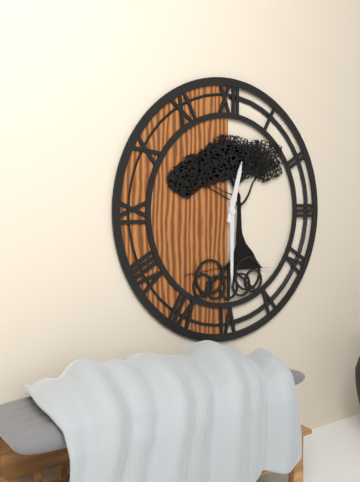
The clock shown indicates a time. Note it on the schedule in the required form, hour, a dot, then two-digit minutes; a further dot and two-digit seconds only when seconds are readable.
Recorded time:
12.30
